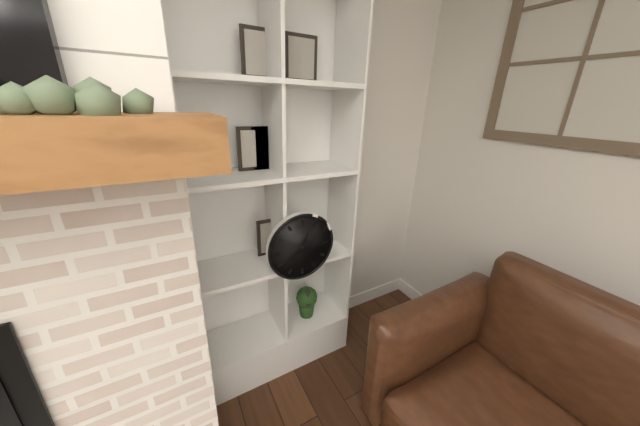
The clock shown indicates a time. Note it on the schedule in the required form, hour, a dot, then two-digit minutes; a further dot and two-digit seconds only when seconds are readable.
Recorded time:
12.38
